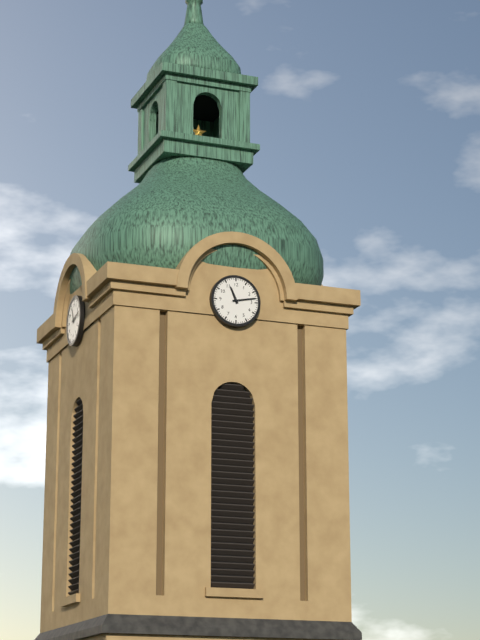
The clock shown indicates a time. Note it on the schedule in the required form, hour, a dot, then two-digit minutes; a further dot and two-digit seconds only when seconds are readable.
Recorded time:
11.13
